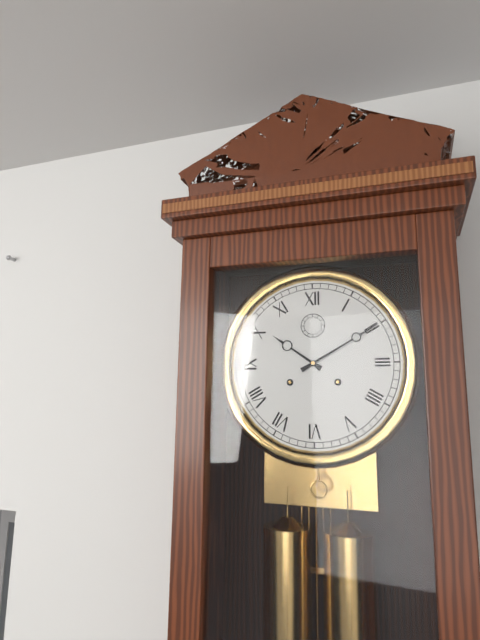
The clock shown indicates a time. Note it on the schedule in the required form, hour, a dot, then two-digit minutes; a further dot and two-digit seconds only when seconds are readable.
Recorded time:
10.10
